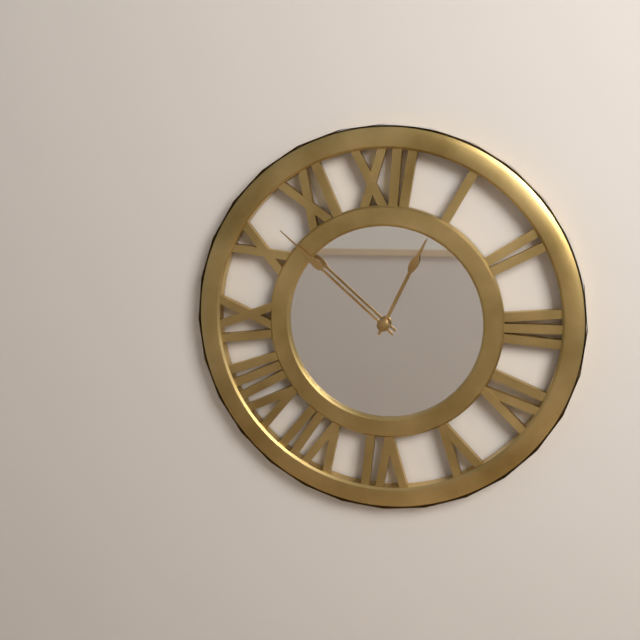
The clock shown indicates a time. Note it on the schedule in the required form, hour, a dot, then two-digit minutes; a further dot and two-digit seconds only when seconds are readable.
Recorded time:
12.52
